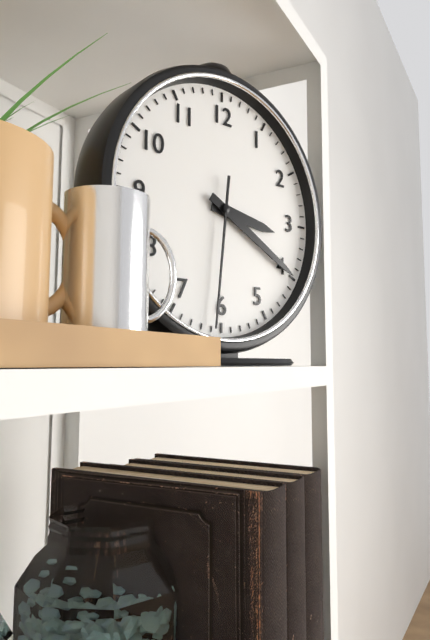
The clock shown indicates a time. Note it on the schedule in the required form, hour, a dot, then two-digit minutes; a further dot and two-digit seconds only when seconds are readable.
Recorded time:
3.20.31
